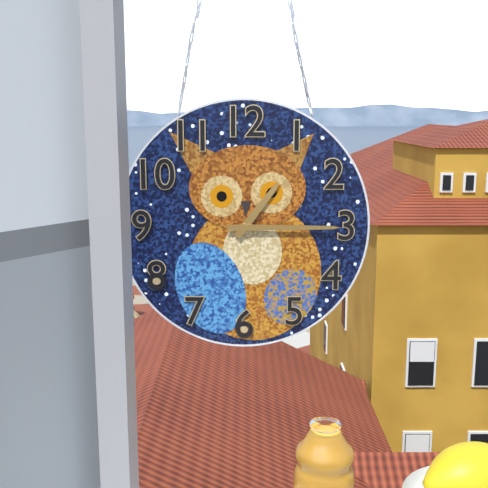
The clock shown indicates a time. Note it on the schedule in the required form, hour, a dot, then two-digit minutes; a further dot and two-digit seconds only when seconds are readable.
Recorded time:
1.15
